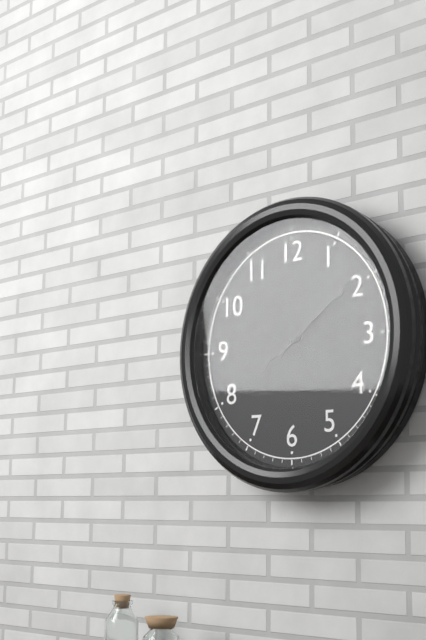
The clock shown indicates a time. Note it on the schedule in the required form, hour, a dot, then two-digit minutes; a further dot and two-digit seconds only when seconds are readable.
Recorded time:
8.09.18
